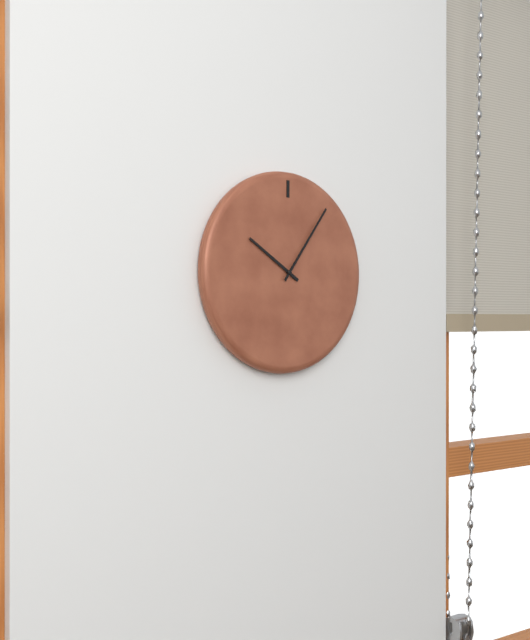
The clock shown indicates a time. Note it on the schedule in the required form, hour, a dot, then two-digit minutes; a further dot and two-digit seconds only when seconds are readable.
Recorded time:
10.06
